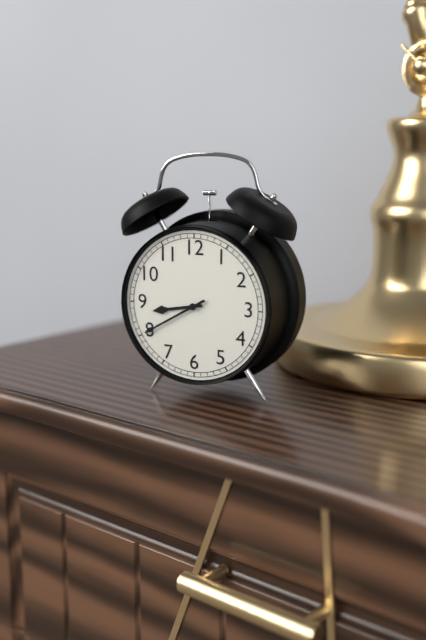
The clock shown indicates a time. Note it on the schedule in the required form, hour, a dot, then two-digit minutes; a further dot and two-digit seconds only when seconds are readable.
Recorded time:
8.40
